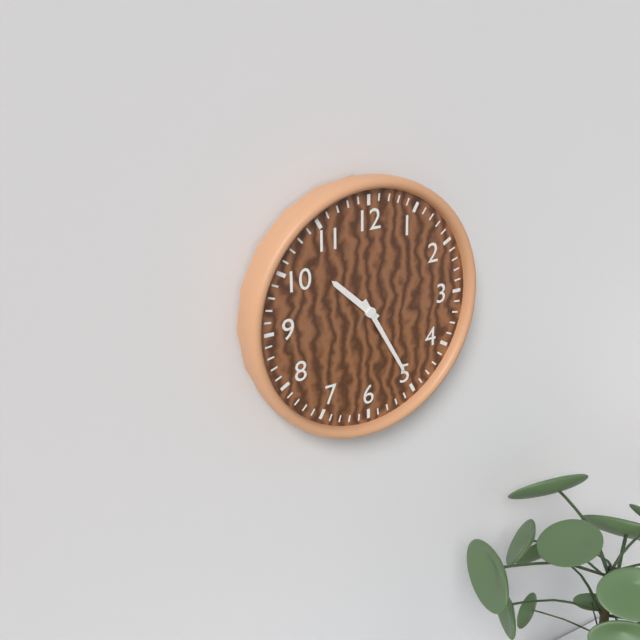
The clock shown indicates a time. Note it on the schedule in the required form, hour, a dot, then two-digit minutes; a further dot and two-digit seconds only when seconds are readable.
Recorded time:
10.25
